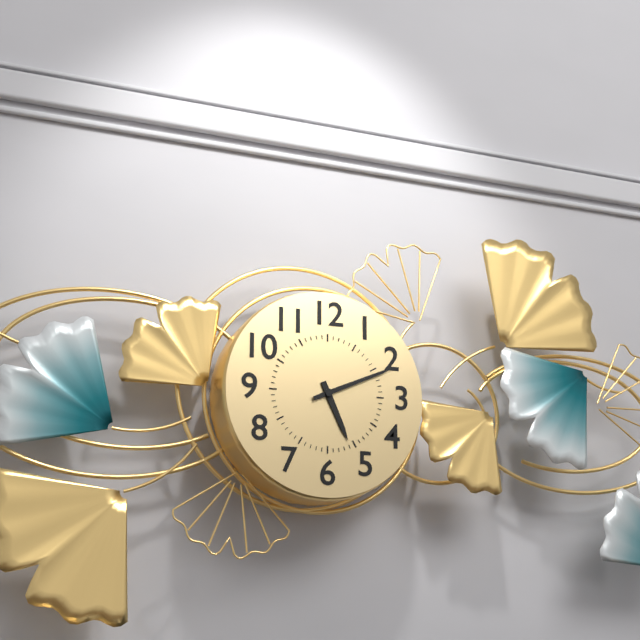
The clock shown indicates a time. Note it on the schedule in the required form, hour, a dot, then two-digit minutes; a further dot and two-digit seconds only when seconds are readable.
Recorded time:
5.11
